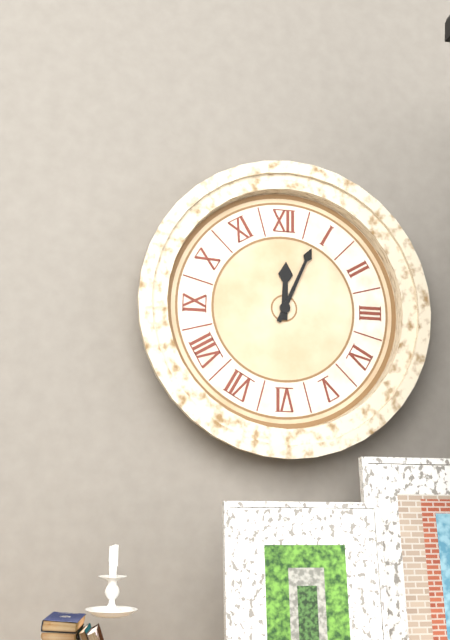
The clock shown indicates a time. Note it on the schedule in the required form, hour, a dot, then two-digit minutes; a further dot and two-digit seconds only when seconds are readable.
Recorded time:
12.04
